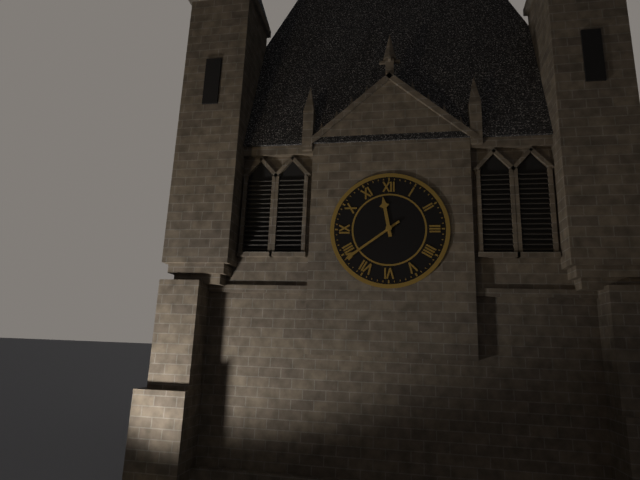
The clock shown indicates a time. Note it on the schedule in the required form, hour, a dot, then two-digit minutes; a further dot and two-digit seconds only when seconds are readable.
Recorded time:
11.39
